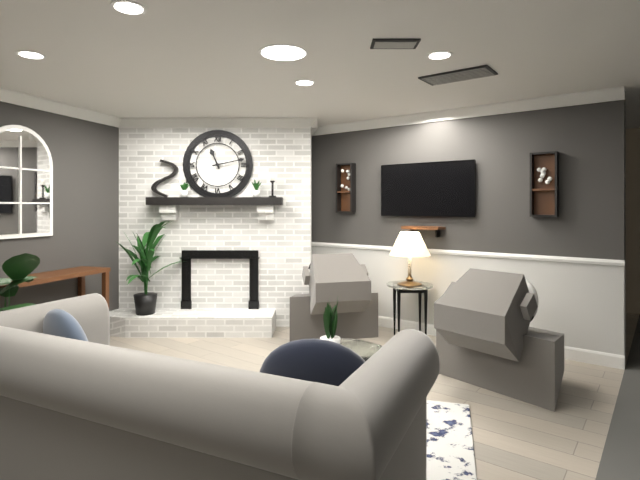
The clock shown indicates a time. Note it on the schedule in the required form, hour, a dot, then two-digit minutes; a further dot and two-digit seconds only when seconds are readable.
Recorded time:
11.13
